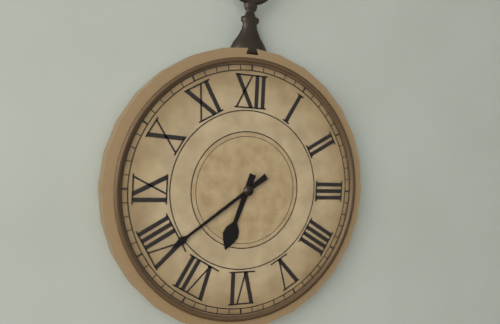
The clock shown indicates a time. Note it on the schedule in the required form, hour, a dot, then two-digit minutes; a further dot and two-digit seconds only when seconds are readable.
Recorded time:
6.39
